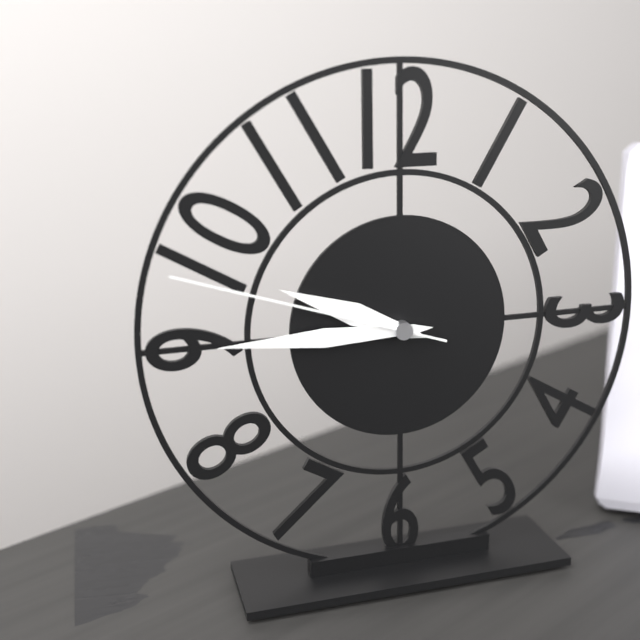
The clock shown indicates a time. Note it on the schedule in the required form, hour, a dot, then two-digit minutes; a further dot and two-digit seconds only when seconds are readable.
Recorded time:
9.45.48
